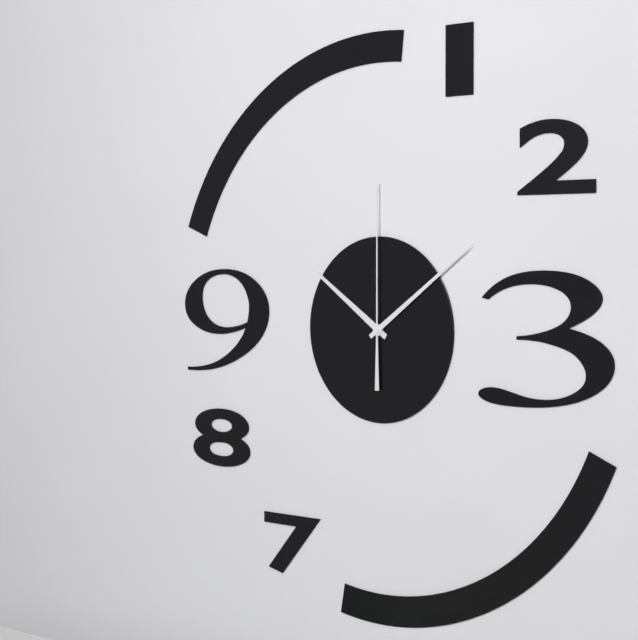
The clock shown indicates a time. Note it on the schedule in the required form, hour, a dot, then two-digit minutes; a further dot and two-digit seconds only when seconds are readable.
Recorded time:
10.09.00
